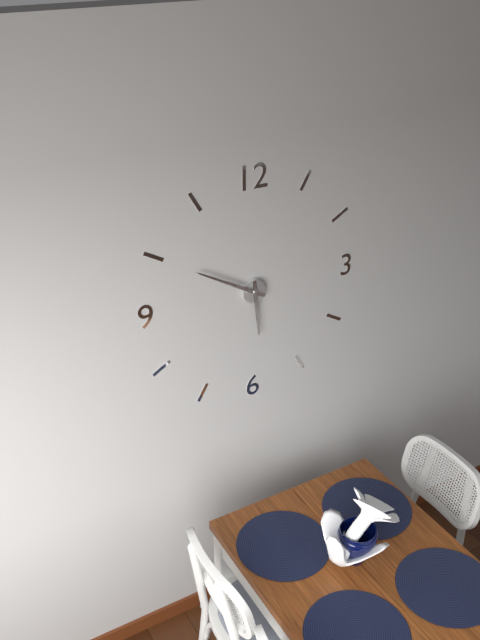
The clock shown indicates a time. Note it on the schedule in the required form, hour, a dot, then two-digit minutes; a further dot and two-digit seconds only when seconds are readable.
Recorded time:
5.50
